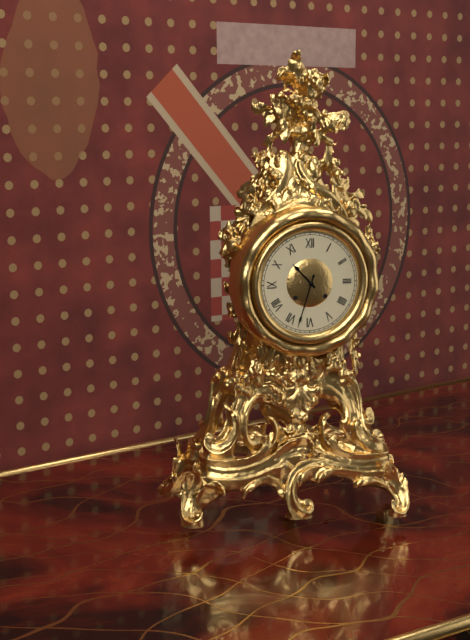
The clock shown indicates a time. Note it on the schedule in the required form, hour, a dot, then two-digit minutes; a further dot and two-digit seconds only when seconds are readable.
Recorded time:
10.33
